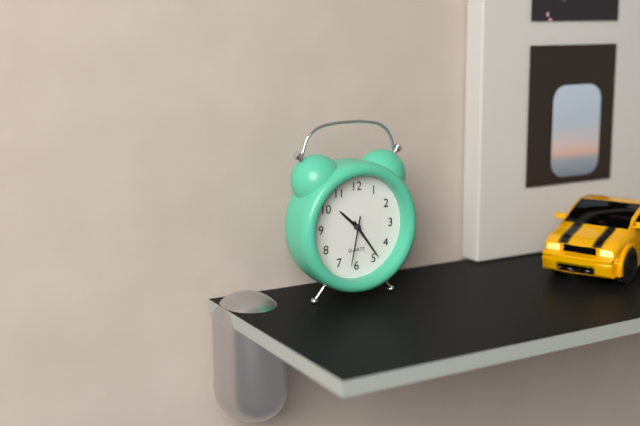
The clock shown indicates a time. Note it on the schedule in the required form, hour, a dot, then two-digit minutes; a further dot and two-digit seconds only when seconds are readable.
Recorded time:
10.24
